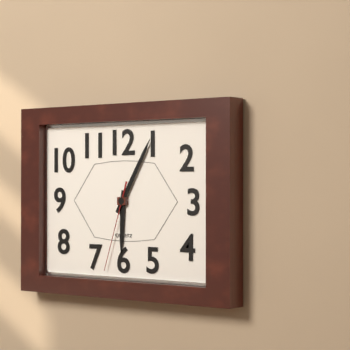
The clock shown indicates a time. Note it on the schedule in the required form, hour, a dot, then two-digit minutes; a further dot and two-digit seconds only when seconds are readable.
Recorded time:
6.05.33
